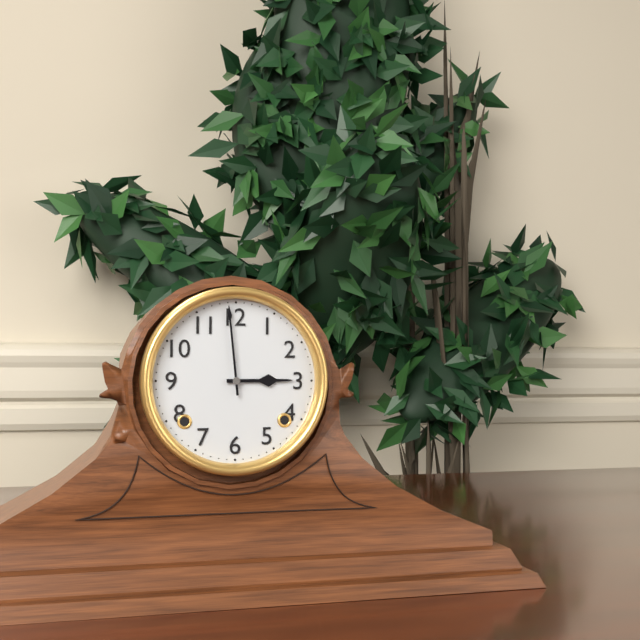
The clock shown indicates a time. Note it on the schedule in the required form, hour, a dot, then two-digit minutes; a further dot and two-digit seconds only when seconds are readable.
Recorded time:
2.59
